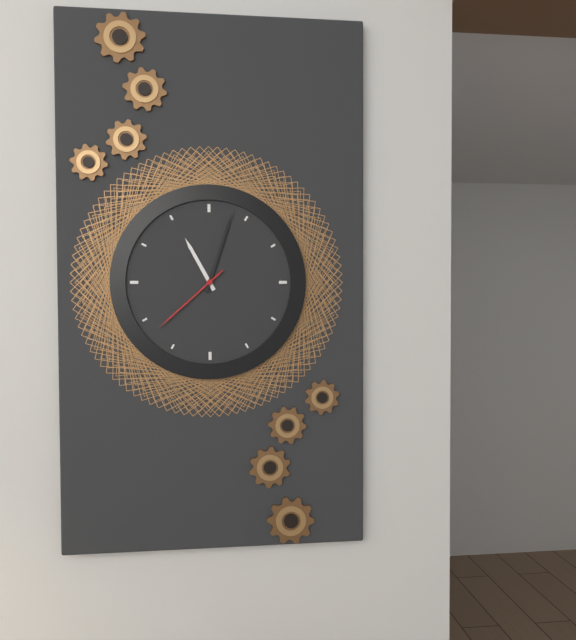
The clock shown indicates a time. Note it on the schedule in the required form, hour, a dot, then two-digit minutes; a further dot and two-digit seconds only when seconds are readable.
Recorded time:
11.03.38
